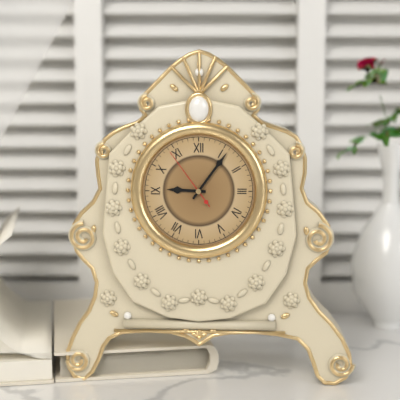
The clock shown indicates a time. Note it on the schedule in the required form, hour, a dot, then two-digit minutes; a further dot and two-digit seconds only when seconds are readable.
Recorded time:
9.06.54
